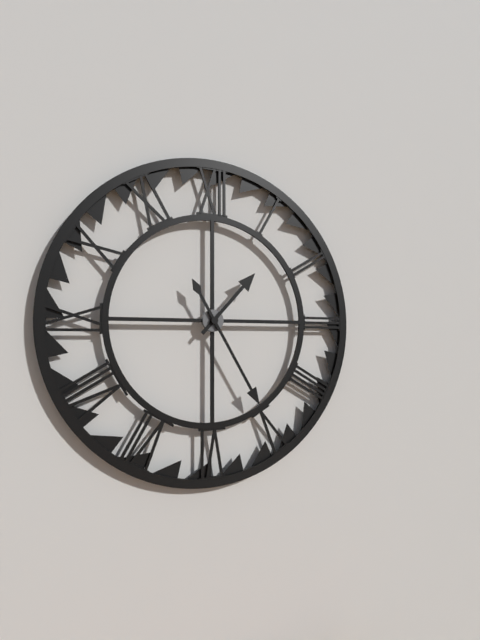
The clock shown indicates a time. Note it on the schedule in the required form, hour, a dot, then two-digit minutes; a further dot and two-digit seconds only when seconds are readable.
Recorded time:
1.25
